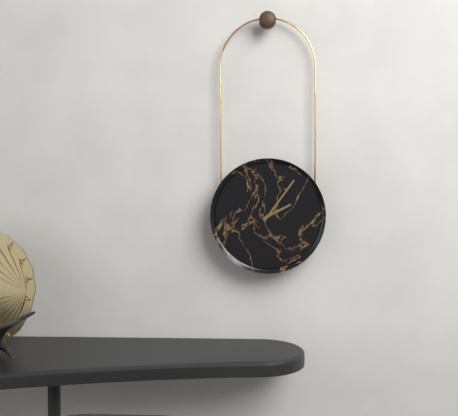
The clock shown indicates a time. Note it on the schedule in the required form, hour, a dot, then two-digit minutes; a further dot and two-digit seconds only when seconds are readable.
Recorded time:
2.06
